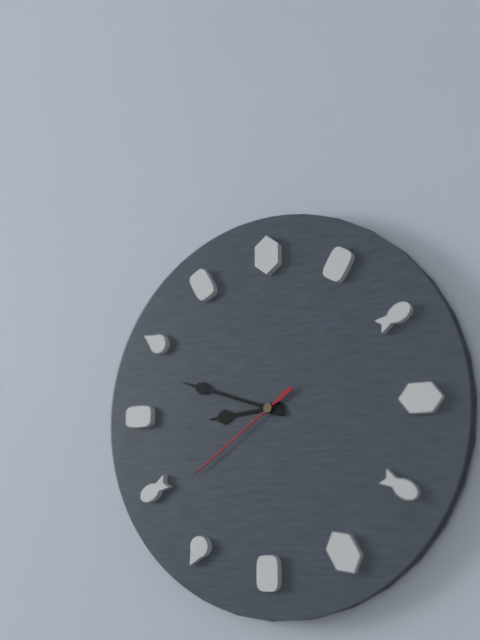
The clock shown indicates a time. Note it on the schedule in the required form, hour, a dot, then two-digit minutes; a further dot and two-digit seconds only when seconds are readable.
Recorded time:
8.48.39
